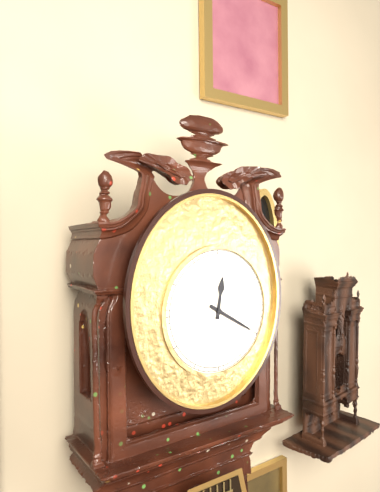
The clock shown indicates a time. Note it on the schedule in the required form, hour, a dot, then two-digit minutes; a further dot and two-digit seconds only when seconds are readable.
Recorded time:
12.20
